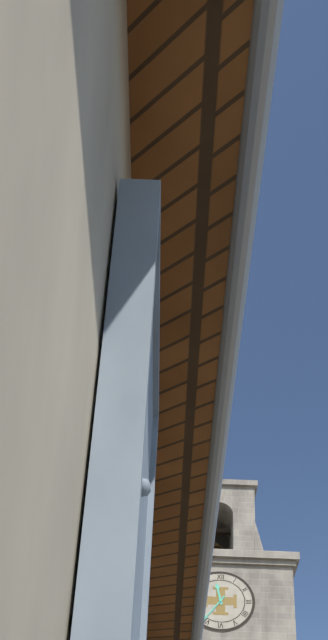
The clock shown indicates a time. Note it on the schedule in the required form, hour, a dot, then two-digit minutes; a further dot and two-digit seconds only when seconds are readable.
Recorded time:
11.36
